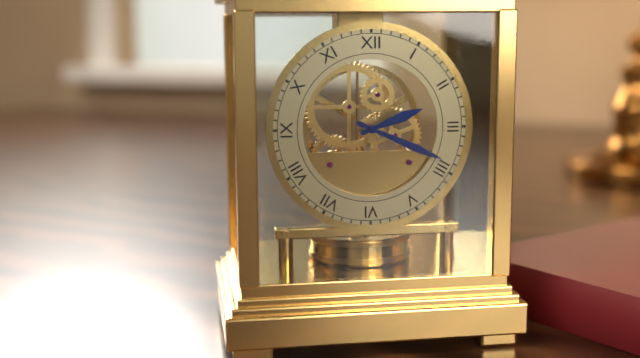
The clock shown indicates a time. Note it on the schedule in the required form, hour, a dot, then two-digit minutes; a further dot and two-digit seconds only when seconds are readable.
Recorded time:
2.19
